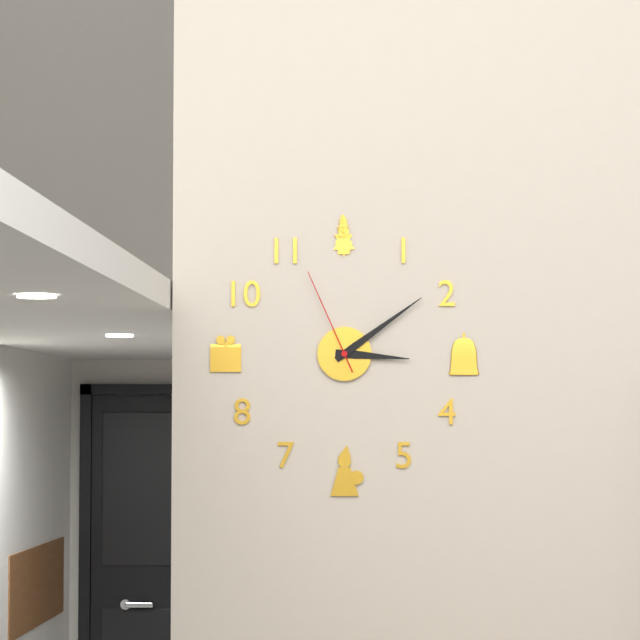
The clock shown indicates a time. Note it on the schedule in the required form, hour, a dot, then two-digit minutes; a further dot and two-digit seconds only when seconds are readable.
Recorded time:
3.09.56
